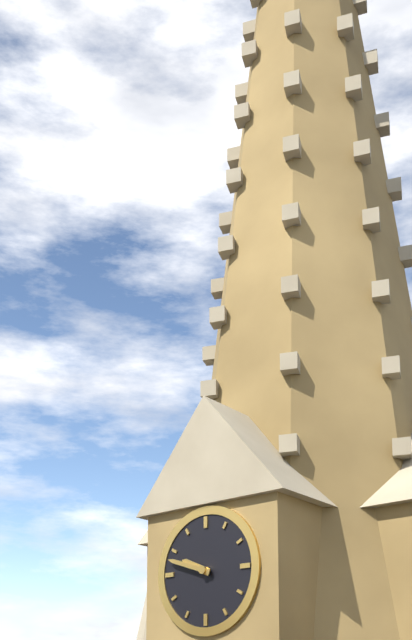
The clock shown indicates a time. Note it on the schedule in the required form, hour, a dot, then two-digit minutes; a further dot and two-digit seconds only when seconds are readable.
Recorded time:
9.48
